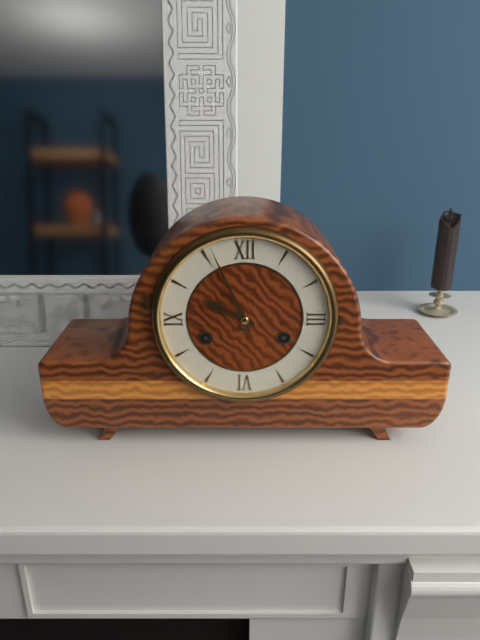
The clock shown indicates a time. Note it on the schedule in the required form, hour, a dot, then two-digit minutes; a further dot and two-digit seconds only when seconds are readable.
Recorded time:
9.56
